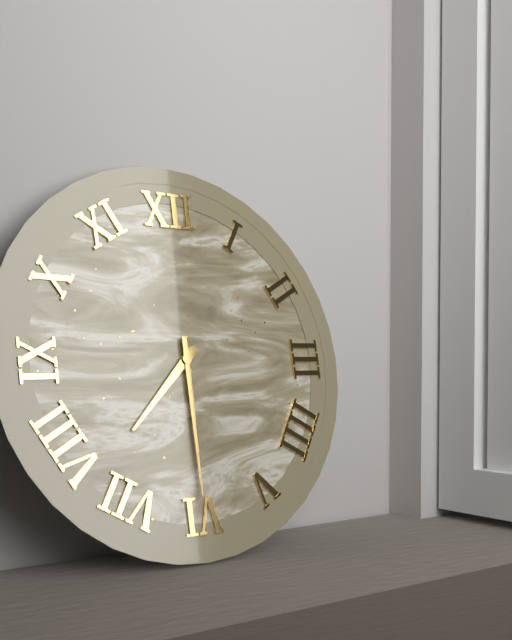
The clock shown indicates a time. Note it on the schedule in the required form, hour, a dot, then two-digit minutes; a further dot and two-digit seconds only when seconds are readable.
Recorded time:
7.30
